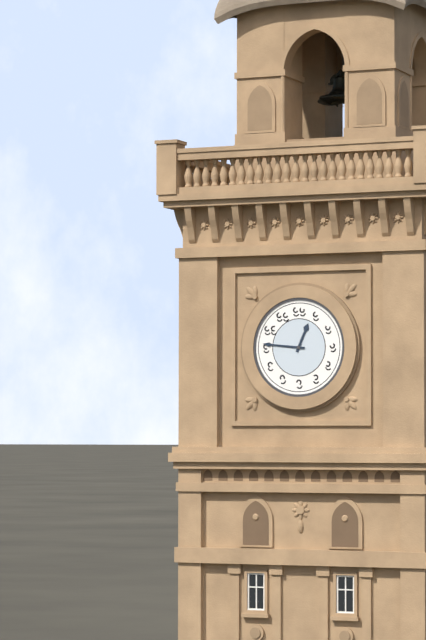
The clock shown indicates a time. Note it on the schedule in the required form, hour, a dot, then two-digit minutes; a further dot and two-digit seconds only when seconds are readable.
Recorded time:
12.46
